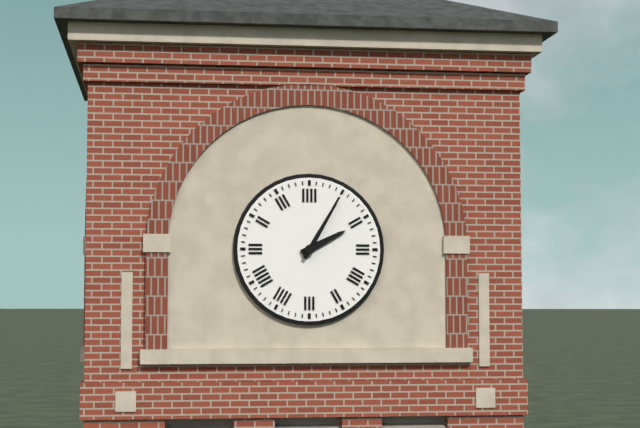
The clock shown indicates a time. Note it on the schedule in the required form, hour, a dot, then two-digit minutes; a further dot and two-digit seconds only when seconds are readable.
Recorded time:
2.05
